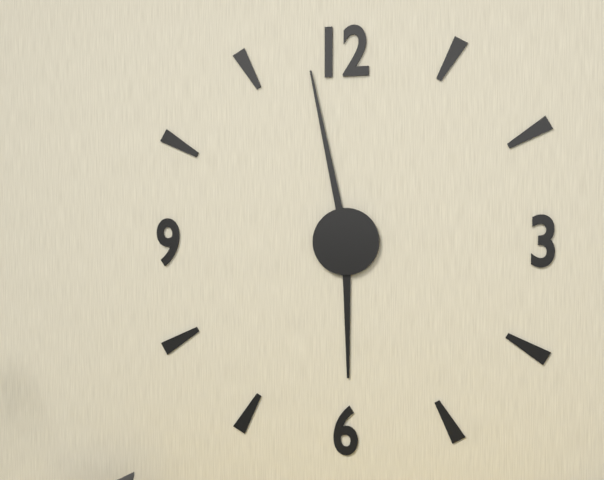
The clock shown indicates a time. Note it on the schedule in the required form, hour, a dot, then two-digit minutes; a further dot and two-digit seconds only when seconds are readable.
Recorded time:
5.58
